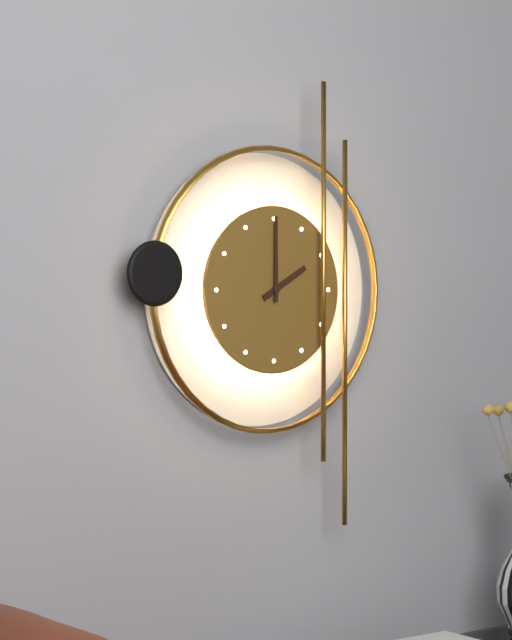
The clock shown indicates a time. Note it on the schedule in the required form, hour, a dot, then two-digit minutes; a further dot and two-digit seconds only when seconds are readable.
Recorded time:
2.00
